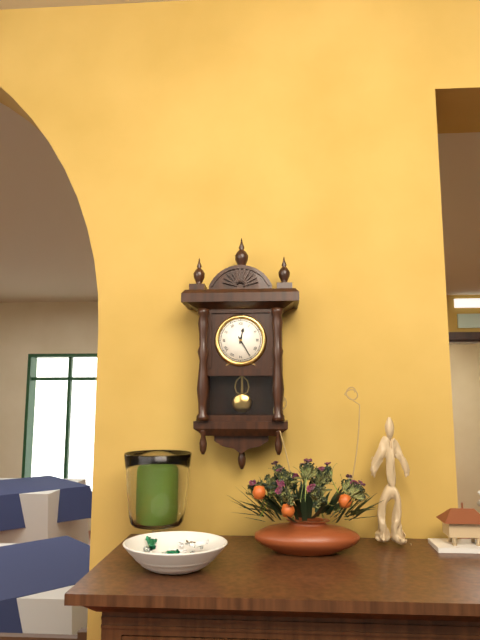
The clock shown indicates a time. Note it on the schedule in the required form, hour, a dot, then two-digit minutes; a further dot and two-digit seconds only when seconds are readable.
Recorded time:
12.25
